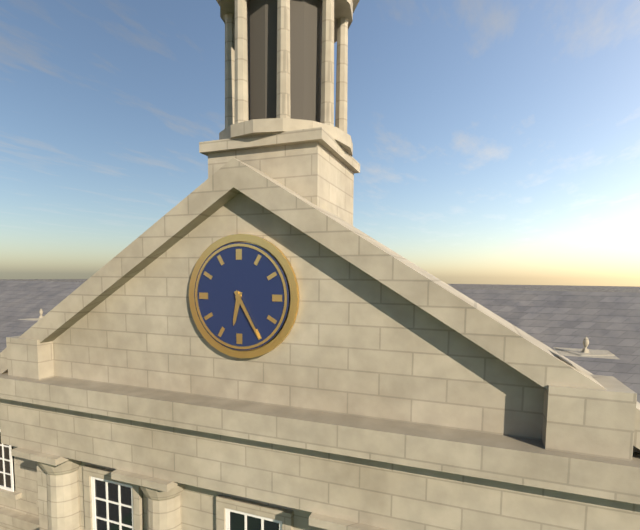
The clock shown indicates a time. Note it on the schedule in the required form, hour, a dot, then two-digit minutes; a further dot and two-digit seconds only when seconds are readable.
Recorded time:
6.25
